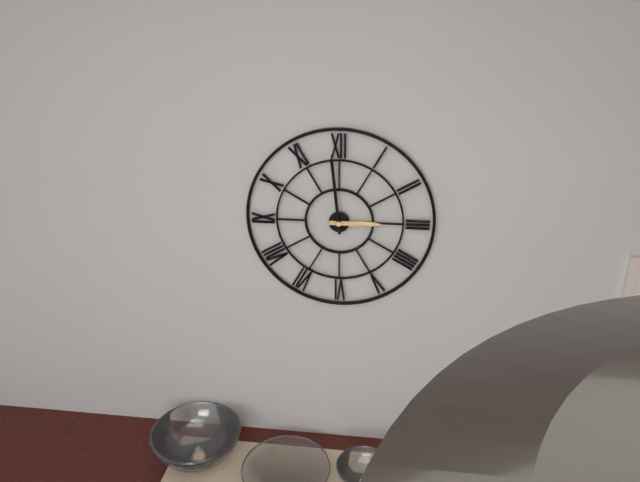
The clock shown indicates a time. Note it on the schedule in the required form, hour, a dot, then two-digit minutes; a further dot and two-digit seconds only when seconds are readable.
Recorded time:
2.59
